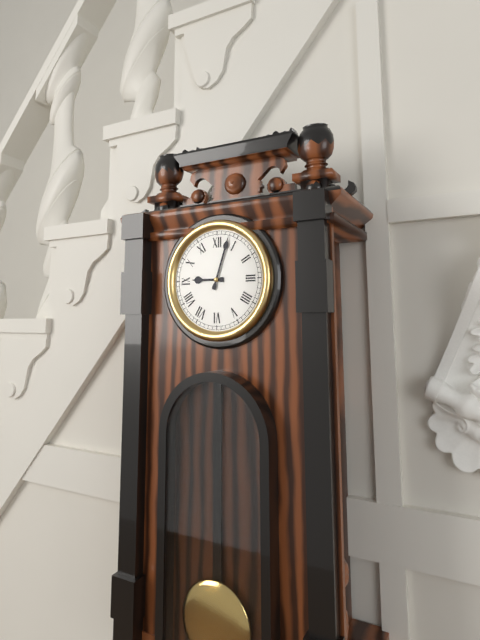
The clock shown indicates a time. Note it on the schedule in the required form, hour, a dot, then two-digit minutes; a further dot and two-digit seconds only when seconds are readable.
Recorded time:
9.03
